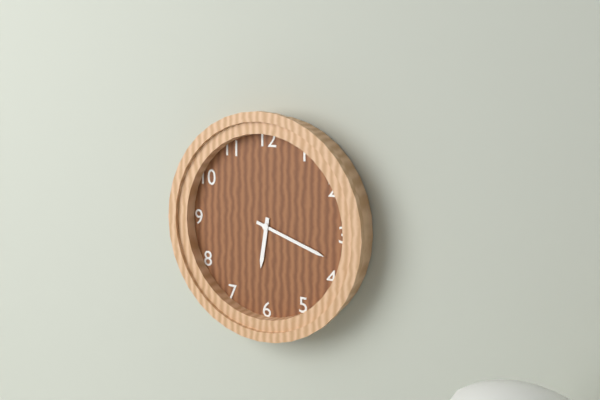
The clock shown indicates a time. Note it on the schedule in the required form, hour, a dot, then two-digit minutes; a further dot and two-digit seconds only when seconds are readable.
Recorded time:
6.18
